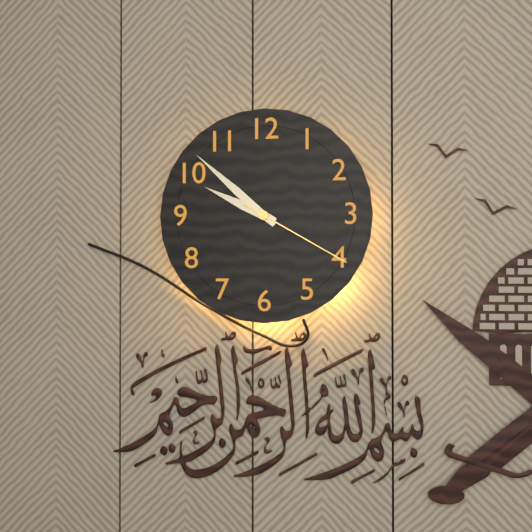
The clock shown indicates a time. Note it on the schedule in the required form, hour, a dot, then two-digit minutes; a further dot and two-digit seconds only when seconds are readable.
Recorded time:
9.52.20
